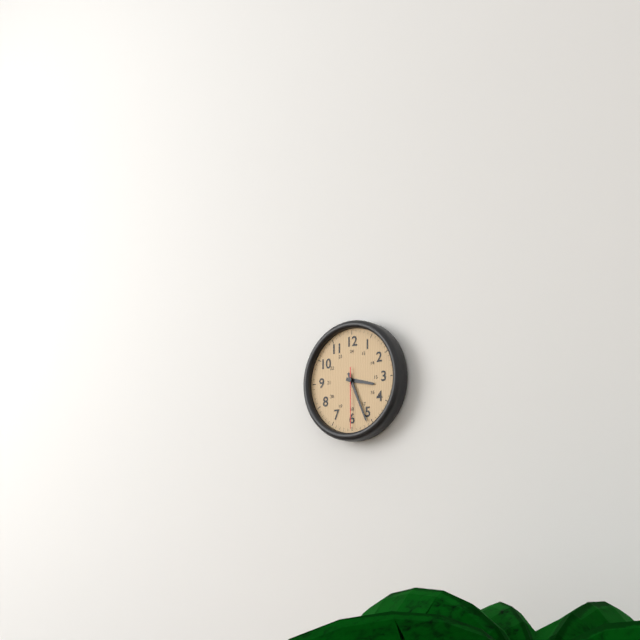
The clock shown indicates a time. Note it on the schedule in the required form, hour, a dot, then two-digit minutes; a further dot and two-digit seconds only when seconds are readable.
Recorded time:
3.26.30
